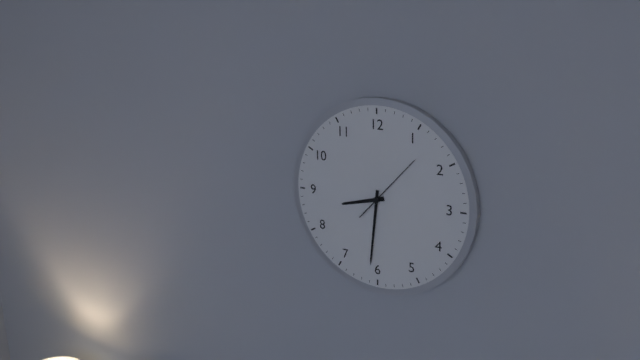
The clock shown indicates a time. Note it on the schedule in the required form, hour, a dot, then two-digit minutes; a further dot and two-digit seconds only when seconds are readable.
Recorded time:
8.31.07
